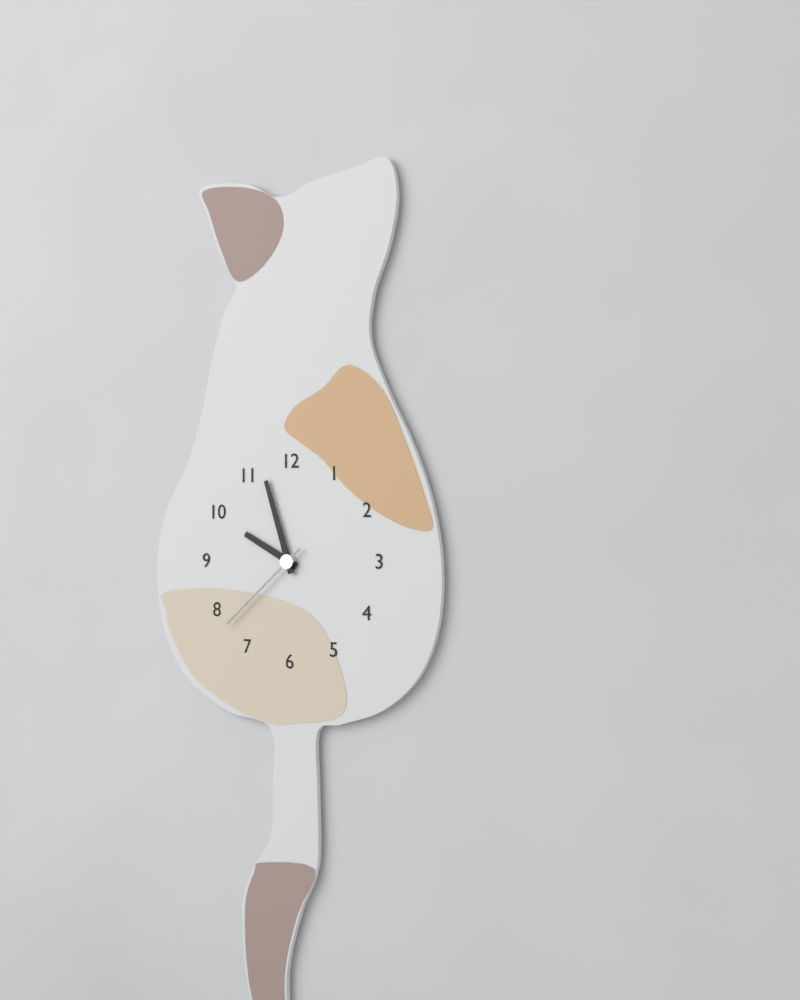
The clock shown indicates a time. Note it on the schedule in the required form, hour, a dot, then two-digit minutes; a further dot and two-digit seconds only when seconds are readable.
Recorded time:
9.57.38
